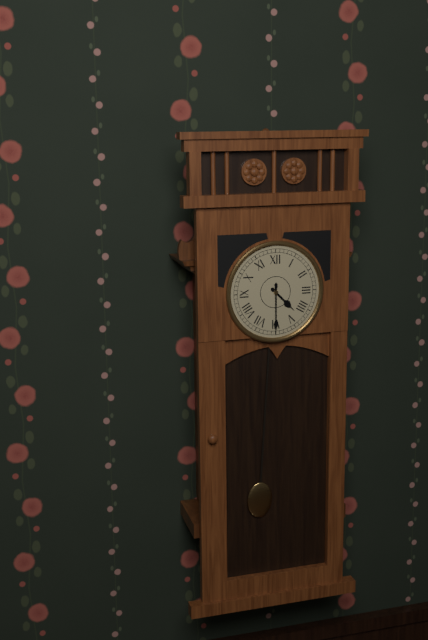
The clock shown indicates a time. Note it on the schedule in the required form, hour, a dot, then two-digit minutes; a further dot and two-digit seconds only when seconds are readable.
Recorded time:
4.30
